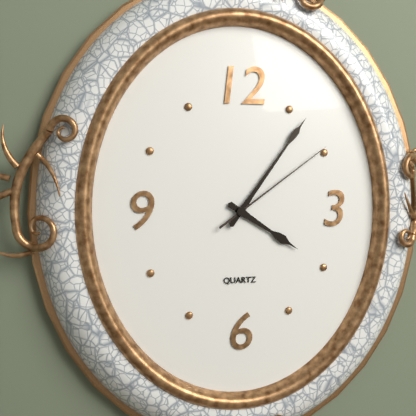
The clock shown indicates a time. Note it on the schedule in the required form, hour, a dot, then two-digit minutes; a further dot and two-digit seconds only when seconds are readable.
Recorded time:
4.06.09
